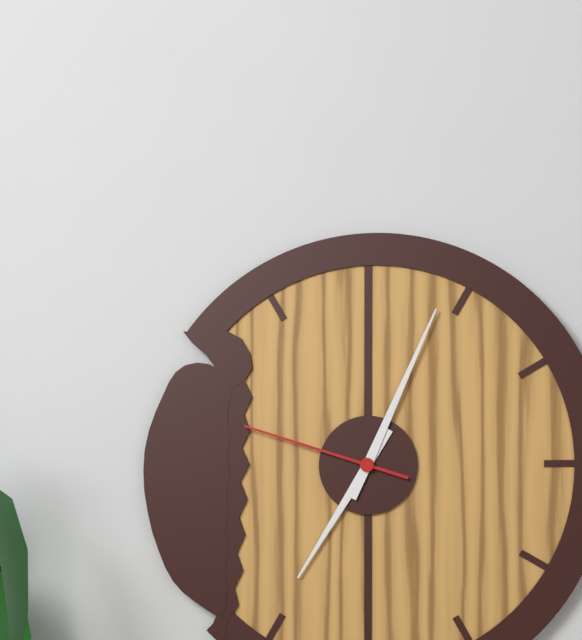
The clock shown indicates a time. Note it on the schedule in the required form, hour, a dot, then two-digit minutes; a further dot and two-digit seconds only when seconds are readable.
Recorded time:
7.04.48
